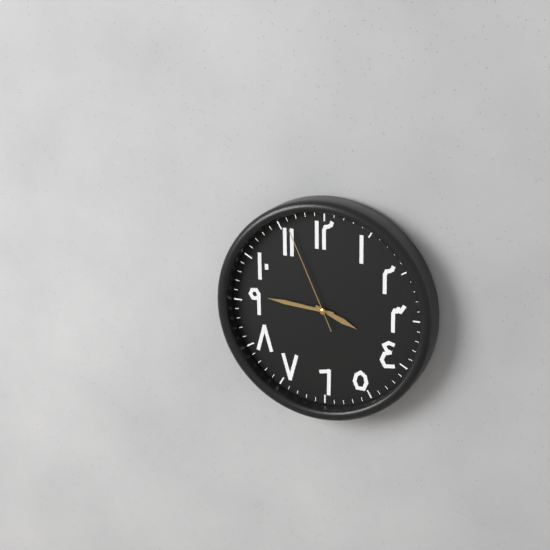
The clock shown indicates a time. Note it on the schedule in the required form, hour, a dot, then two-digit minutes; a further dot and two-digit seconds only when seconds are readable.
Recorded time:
3.46.56
